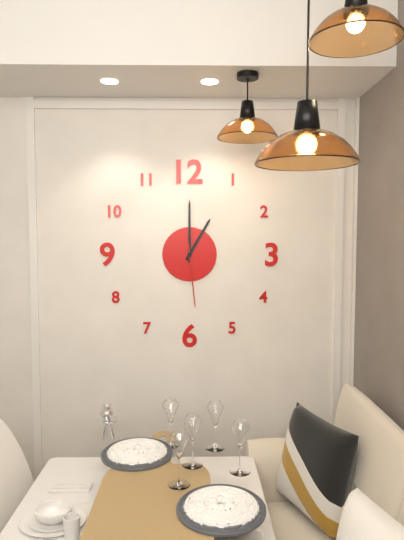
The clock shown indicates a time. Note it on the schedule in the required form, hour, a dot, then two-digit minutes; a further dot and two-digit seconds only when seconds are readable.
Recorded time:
1.00.29
